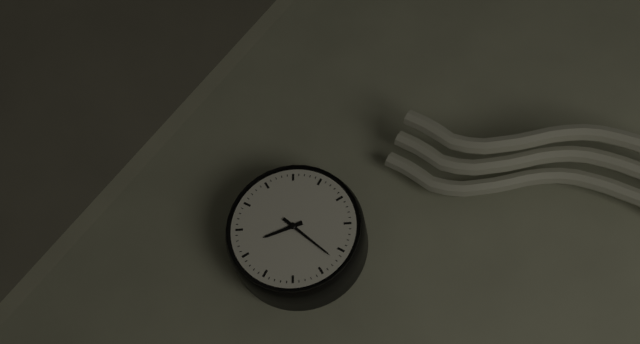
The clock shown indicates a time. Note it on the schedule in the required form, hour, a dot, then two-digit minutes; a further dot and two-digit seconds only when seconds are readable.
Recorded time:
8.22
